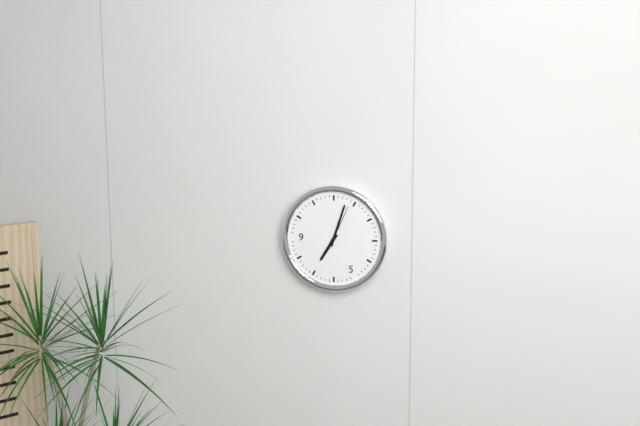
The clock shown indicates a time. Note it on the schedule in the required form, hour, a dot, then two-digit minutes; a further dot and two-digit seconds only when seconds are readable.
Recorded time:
7.03
